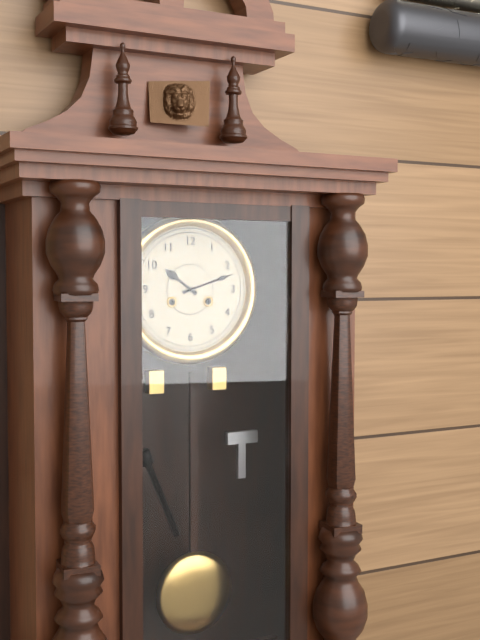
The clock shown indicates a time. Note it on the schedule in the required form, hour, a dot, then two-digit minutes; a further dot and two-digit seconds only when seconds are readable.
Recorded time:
10.12
